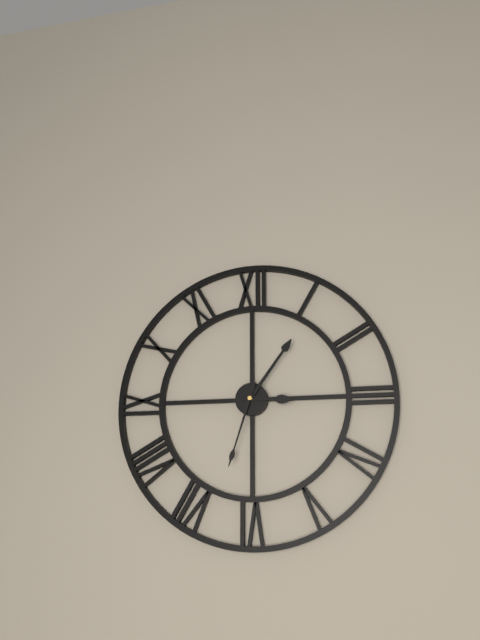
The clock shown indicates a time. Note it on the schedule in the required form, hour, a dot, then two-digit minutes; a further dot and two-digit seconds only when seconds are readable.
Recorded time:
3.06.33
